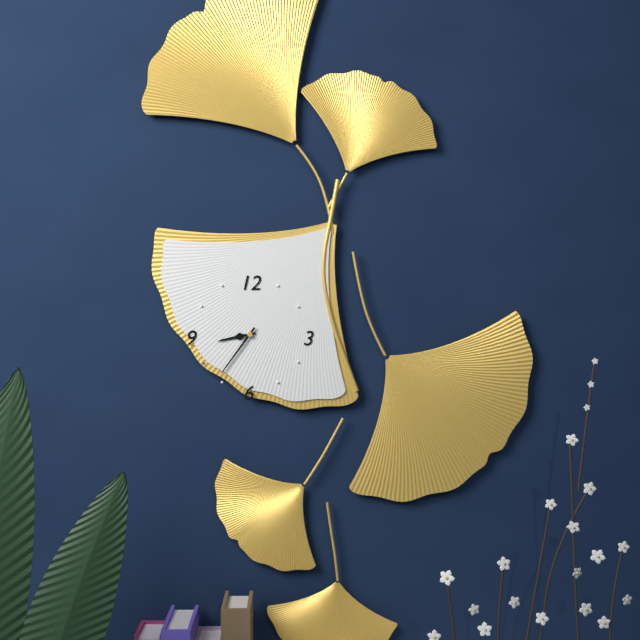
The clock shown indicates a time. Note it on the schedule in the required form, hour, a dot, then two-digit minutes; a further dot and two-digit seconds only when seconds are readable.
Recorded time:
8.36
